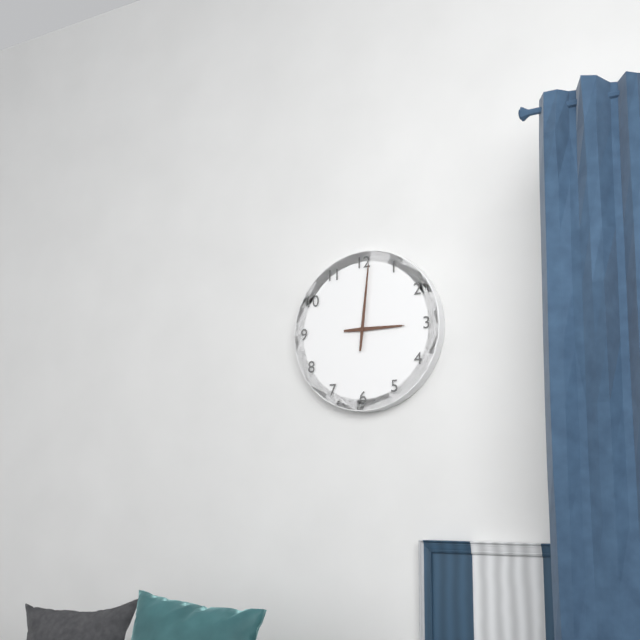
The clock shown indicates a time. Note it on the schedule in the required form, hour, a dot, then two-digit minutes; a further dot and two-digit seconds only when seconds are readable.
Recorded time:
3.01
